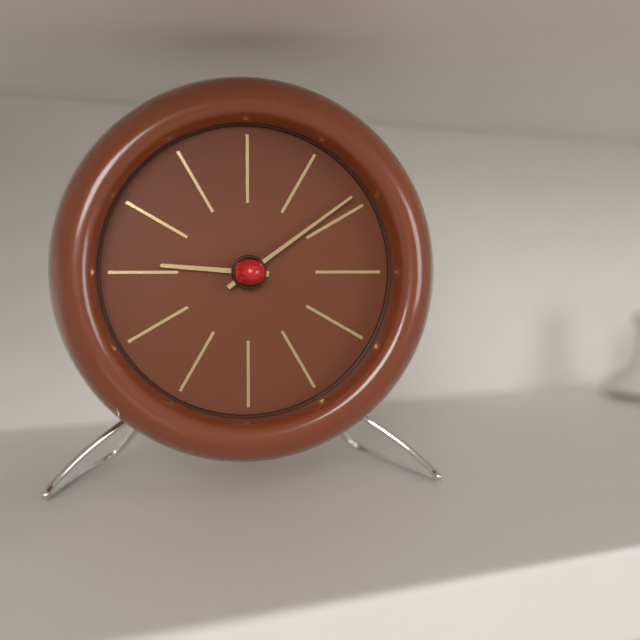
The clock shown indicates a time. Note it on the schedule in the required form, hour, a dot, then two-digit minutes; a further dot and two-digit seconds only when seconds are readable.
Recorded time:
9.09
